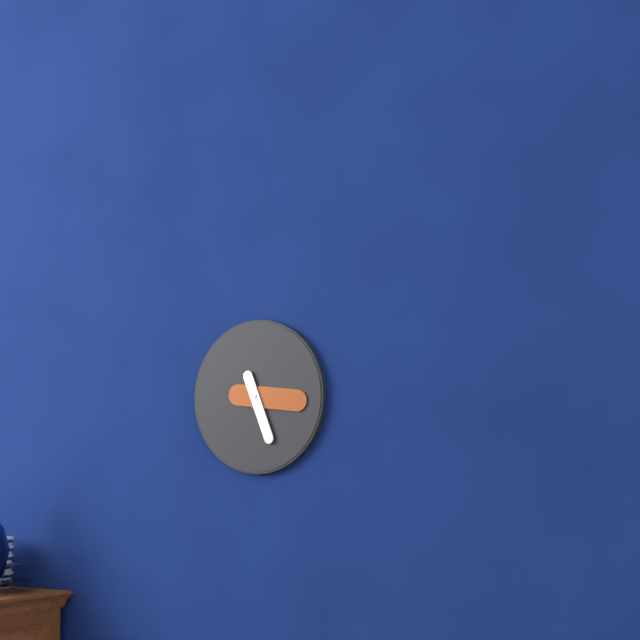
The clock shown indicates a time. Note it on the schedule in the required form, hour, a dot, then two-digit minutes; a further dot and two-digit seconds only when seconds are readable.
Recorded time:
5.16
